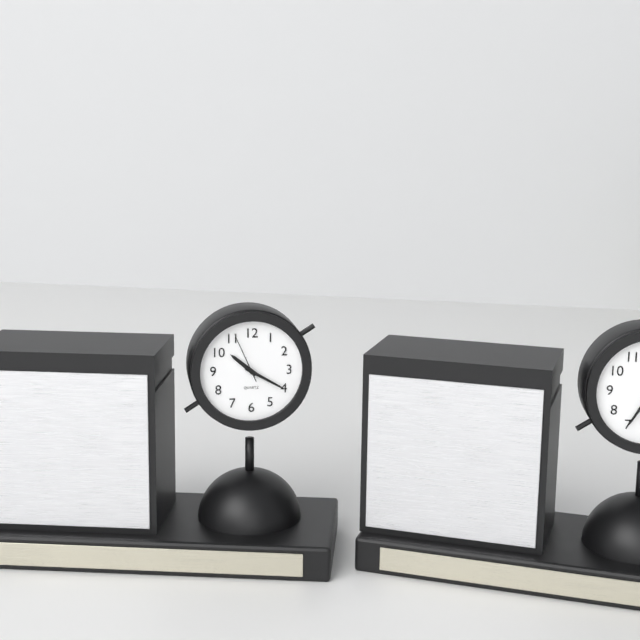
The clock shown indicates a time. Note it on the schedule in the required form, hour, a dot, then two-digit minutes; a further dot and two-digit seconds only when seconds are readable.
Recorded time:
10.20.56
